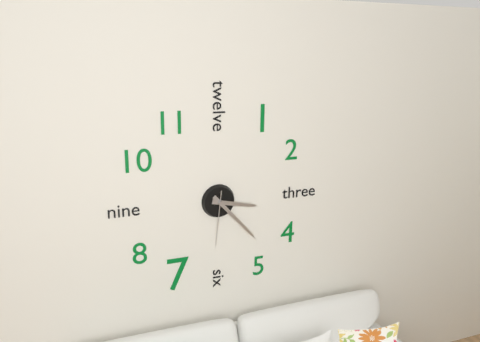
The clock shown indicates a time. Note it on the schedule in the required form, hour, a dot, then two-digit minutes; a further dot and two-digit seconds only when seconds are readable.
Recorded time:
3.23.31
